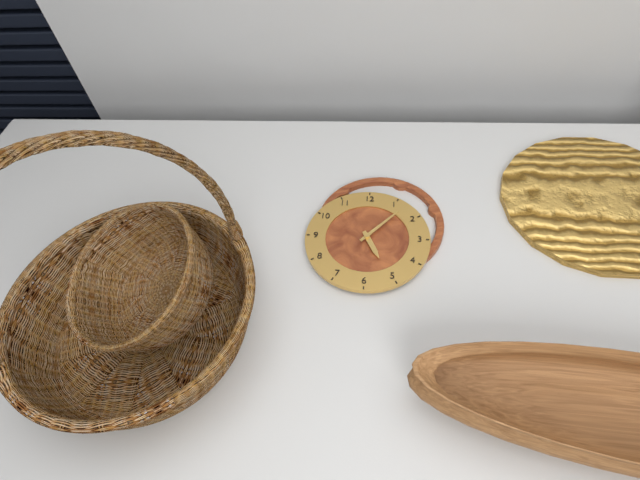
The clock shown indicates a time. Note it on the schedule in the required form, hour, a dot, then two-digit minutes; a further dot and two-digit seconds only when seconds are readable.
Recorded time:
5.07
